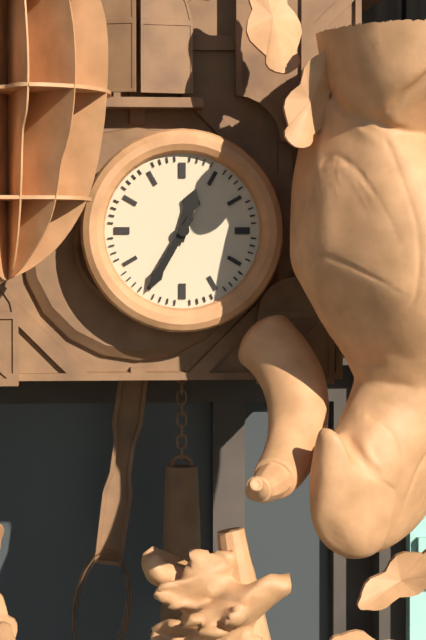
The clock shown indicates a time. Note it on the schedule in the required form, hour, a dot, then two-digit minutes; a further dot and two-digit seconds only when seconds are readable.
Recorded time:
12.35
